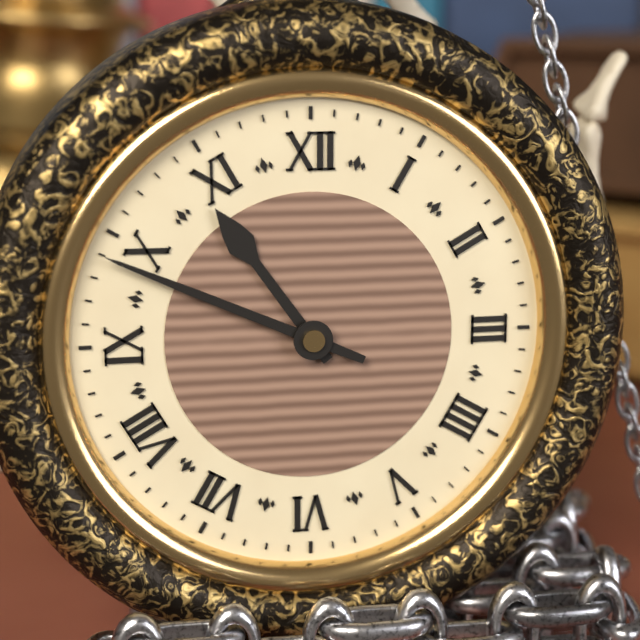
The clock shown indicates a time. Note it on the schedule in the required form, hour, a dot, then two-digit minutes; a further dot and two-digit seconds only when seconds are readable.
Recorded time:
10.49
